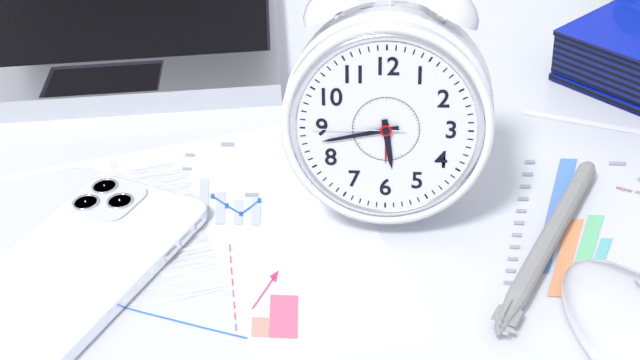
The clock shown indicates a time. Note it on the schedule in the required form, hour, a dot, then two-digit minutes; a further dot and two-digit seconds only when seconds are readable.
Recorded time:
5.43.45
